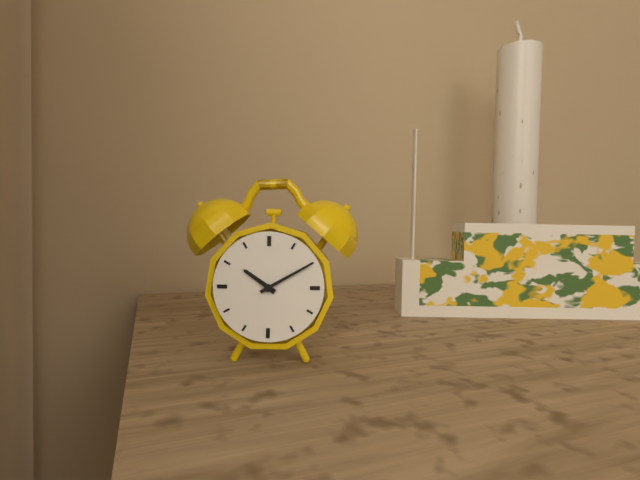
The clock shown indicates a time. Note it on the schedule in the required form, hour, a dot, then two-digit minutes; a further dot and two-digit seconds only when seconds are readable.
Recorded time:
10.10
